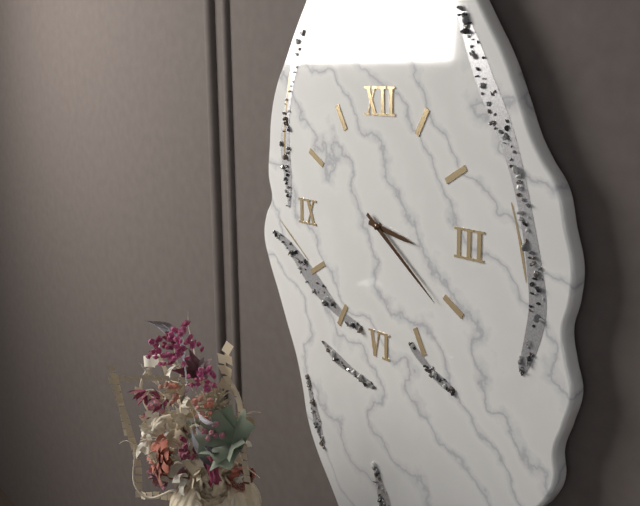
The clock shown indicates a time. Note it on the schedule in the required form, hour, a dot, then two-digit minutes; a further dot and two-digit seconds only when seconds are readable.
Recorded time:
3.21
